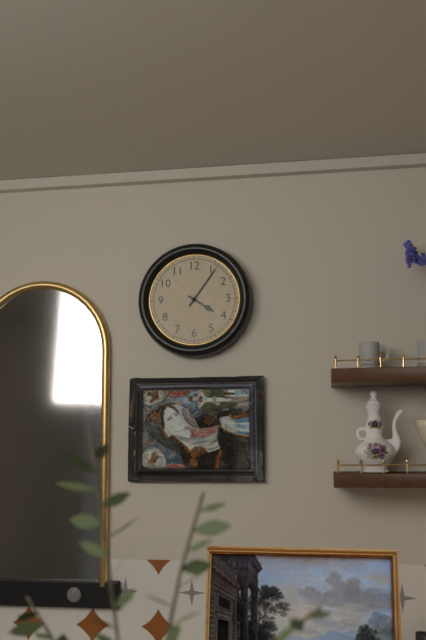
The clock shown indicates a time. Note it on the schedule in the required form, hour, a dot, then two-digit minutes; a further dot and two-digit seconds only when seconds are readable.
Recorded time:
4.06
